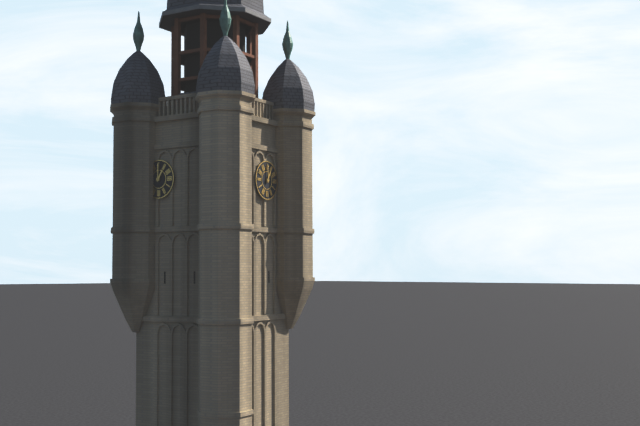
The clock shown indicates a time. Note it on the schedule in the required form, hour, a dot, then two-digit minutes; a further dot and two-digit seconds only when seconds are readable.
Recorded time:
1.00
